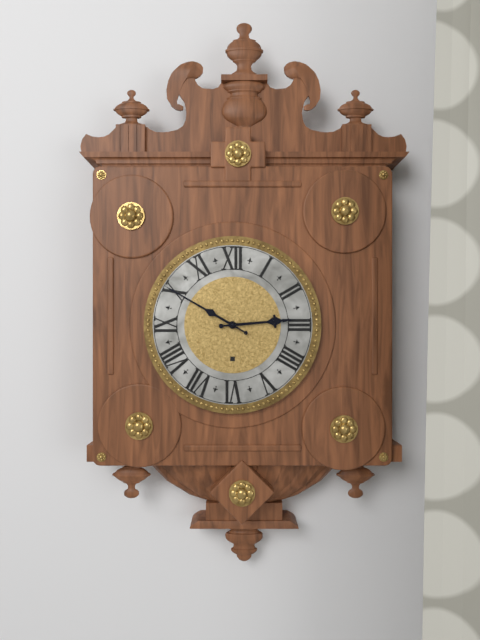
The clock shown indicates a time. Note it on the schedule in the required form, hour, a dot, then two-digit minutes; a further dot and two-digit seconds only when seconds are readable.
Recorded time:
2.50
